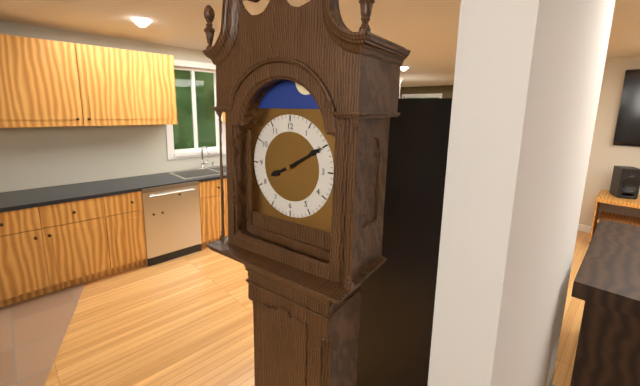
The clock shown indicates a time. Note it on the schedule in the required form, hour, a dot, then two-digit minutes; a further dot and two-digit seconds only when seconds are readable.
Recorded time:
8.10
